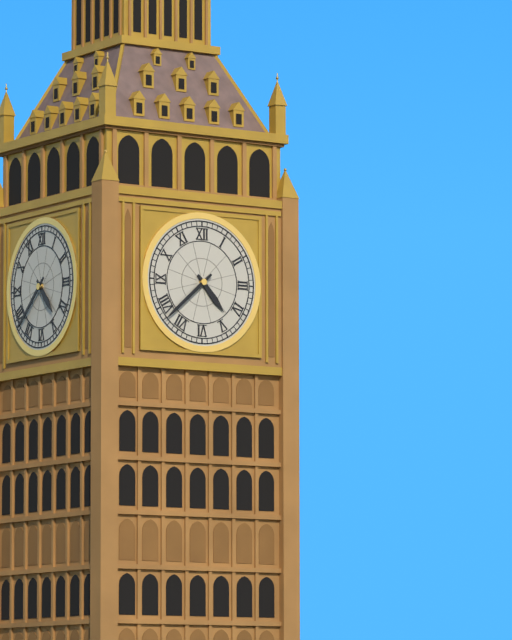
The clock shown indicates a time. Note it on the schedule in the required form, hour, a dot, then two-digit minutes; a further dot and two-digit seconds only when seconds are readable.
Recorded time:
4.38
